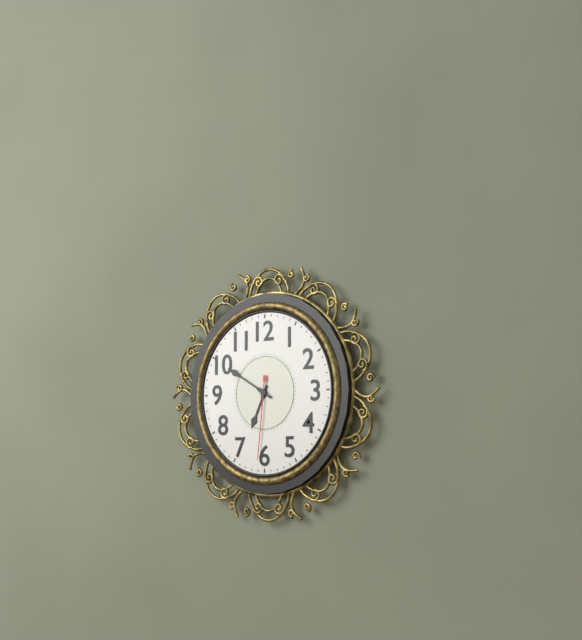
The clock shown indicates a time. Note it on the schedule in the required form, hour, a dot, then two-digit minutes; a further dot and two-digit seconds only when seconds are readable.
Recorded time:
6.50.31
